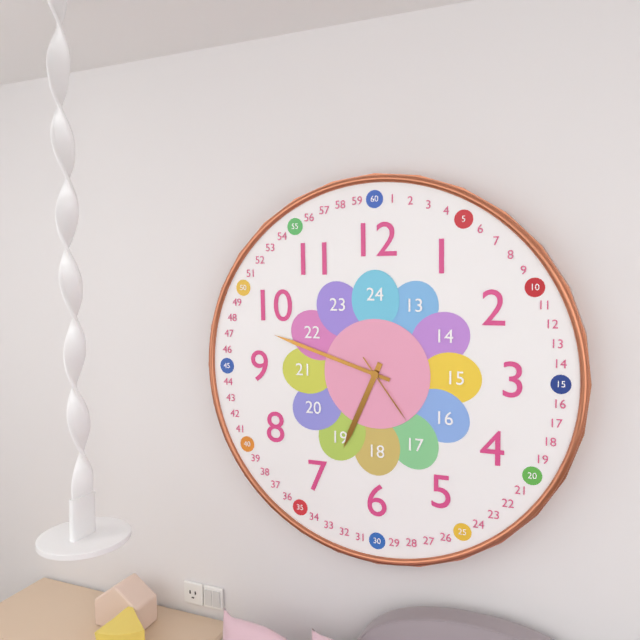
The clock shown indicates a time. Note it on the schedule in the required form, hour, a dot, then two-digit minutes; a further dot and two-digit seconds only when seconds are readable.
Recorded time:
6.48.24
